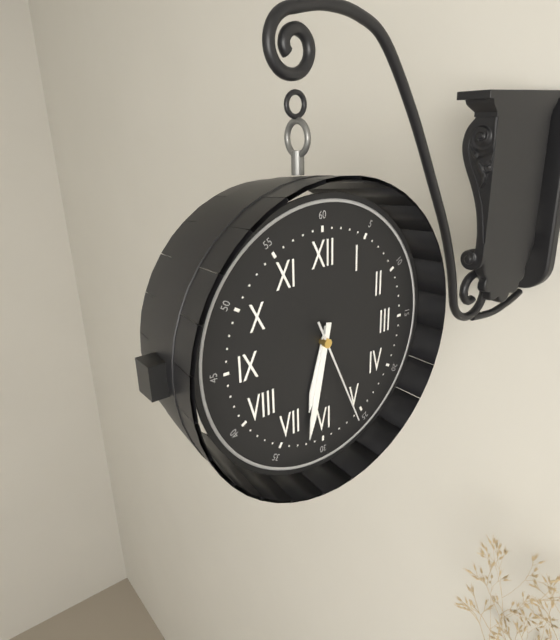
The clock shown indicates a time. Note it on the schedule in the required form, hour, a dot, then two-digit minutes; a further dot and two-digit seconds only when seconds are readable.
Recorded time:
6.32.26
